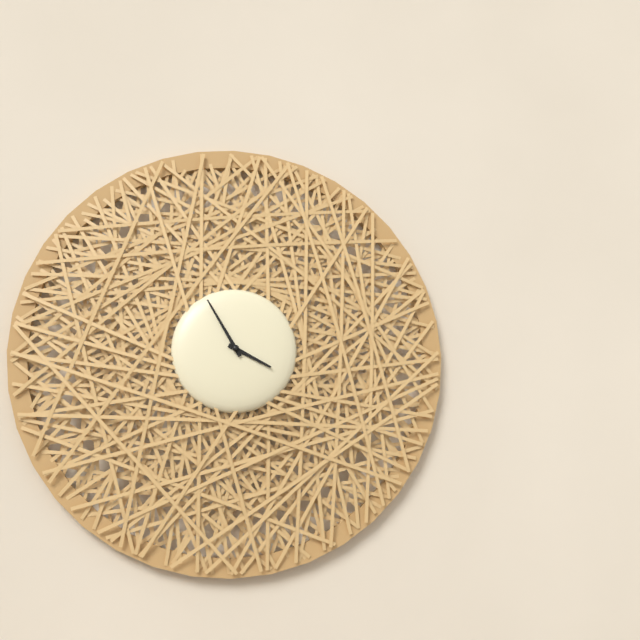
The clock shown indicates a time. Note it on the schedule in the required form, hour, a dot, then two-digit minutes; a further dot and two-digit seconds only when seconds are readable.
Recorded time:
3.55
